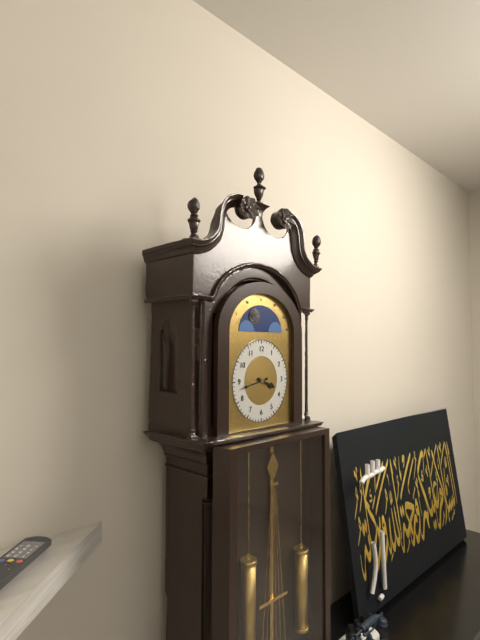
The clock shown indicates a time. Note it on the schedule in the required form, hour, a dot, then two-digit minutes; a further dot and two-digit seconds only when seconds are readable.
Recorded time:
3.43
